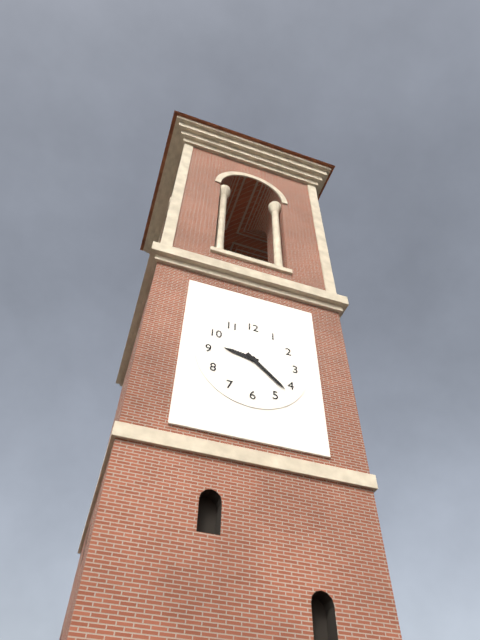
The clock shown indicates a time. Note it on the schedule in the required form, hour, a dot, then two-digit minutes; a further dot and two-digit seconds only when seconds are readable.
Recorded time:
9.22
